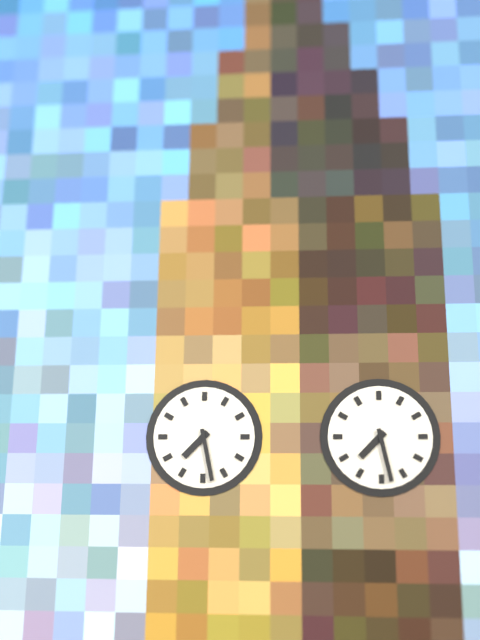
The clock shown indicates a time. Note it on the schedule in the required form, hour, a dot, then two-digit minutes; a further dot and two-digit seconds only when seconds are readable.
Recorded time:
7.28
